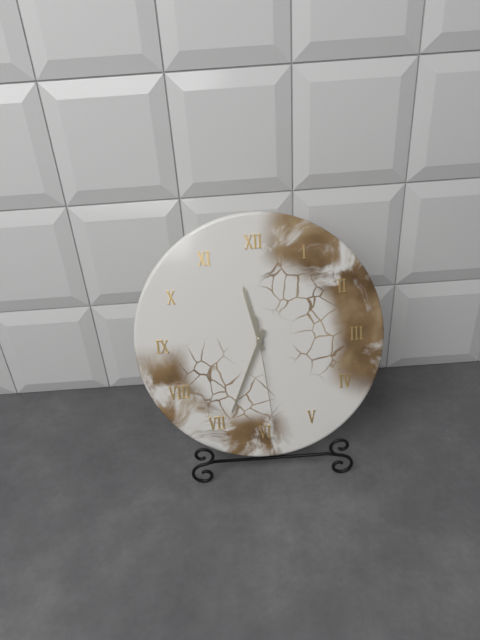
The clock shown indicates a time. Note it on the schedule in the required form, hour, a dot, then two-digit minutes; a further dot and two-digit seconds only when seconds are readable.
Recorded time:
11.34.29
